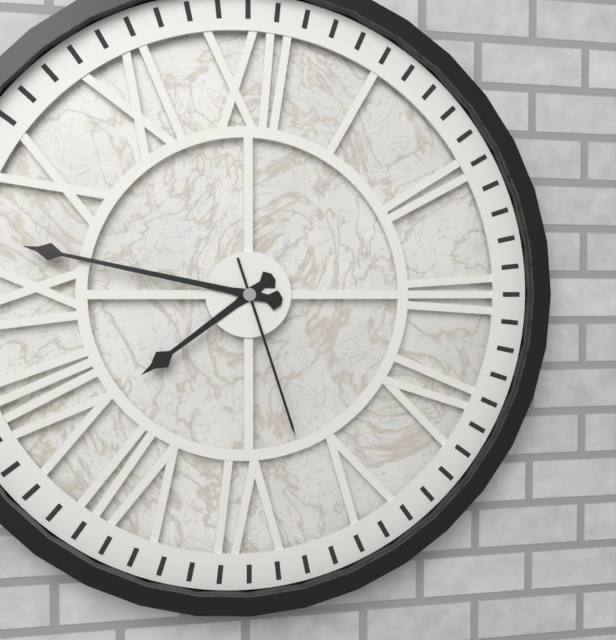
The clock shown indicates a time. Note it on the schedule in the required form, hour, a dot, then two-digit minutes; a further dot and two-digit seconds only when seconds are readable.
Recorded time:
7.47.27
